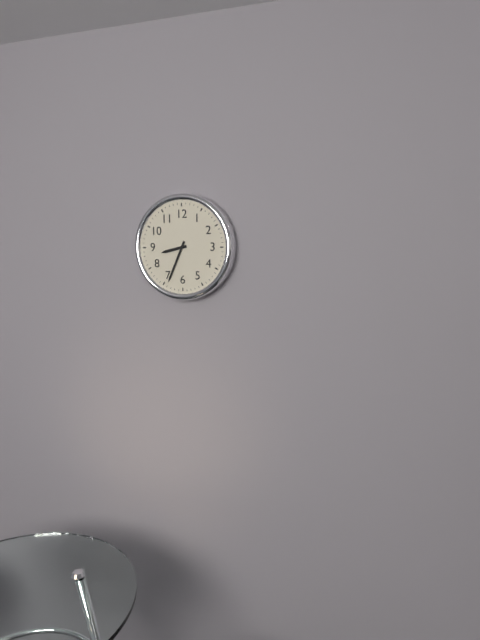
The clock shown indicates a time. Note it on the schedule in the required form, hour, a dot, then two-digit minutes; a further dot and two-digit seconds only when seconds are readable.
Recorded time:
8.34
